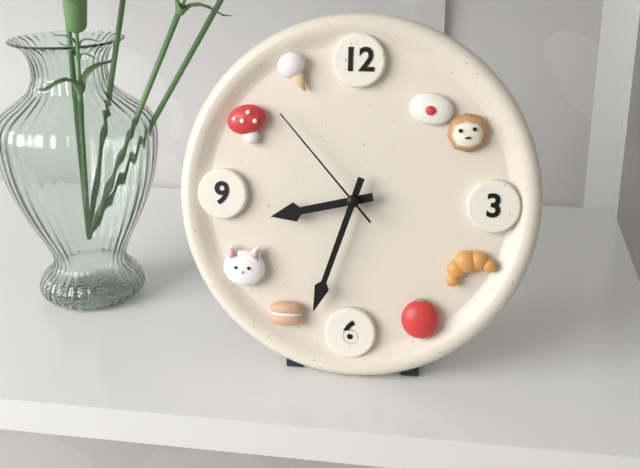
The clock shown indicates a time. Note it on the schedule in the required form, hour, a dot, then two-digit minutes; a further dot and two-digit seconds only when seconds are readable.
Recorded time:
8.33.53
